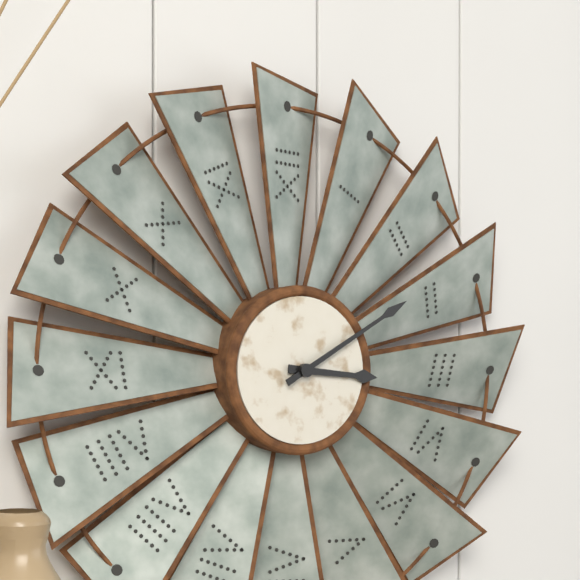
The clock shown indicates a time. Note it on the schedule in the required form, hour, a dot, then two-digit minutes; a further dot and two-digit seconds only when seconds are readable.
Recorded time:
3.10
